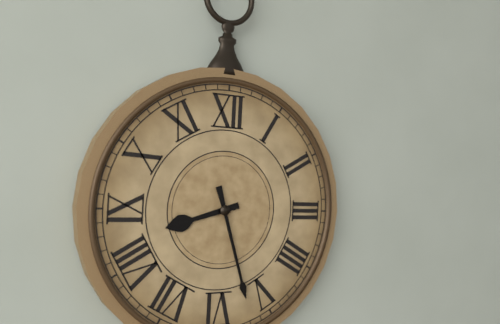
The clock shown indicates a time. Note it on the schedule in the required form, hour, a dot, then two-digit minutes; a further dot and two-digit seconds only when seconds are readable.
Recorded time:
8.27
